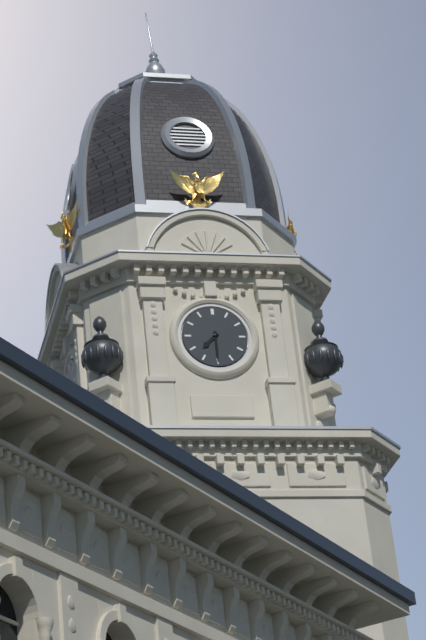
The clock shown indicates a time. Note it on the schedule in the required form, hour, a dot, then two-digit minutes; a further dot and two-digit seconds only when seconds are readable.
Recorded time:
7.30
